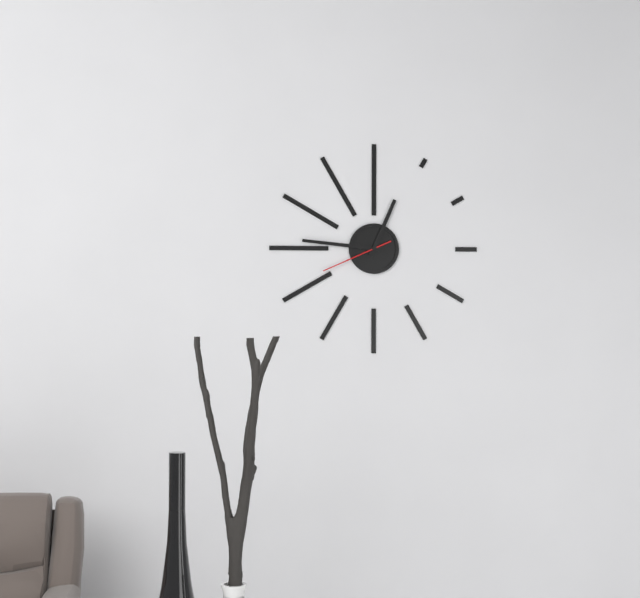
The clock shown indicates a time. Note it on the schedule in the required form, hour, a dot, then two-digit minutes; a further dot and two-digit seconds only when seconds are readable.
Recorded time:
12.46.41
